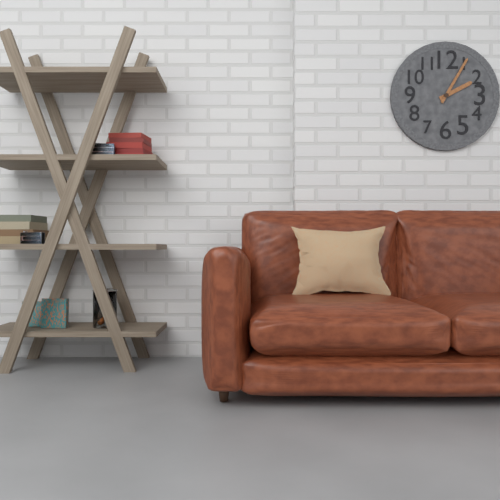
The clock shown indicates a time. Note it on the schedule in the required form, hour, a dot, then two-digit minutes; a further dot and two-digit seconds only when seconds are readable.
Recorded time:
2.05
